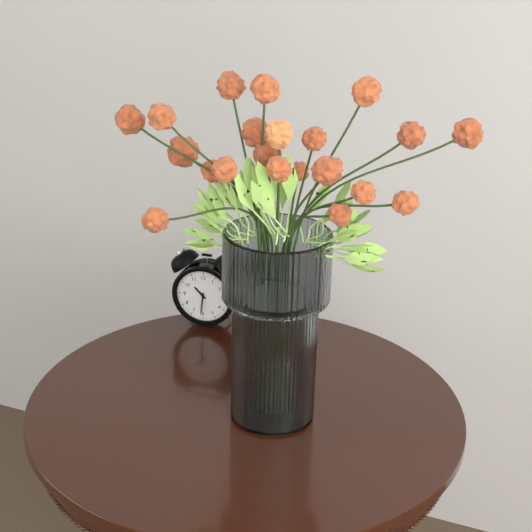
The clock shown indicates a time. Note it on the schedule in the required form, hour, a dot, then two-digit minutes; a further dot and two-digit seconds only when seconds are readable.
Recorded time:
10.31
